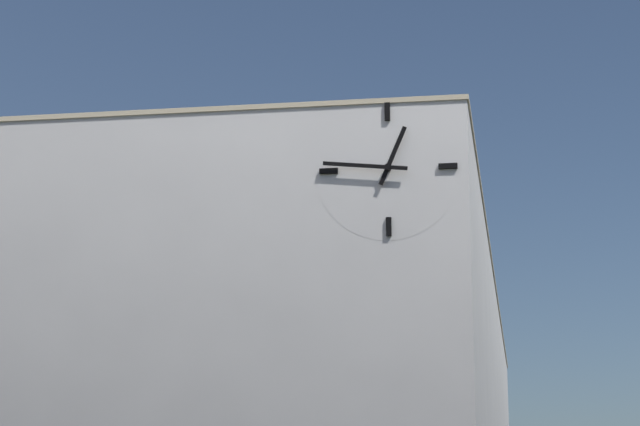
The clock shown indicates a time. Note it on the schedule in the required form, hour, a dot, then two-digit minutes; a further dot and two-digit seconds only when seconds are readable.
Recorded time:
12.46
